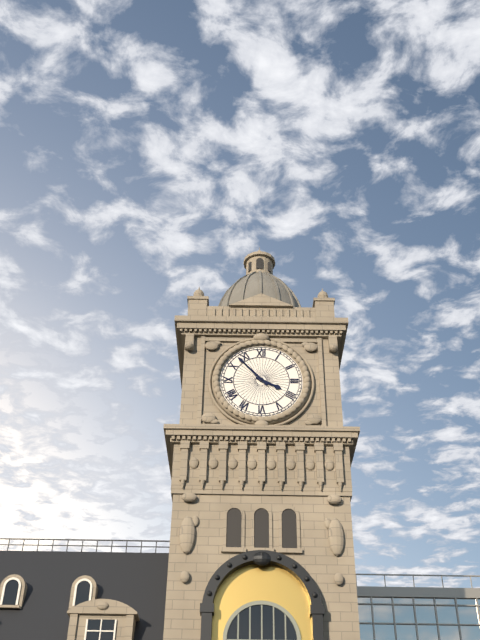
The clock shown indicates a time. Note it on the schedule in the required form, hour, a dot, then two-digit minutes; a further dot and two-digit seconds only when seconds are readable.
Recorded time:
3.53
